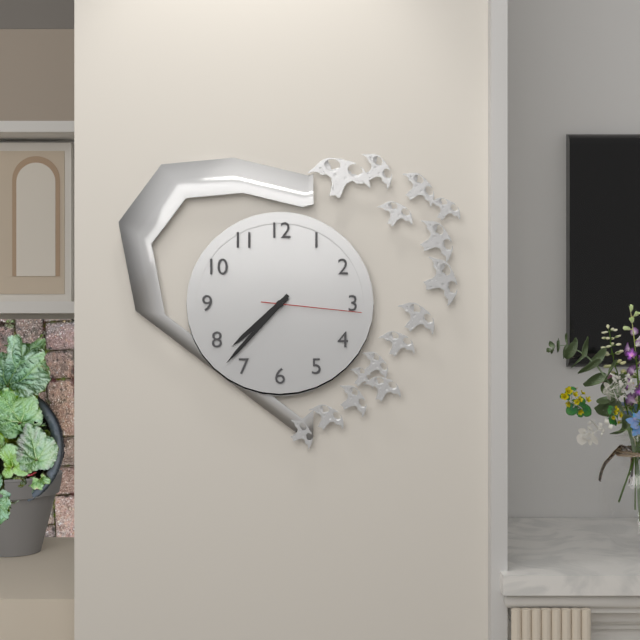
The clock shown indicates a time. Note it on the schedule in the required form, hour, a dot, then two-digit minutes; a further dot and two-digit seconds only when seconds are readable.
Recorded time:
7.37.16
